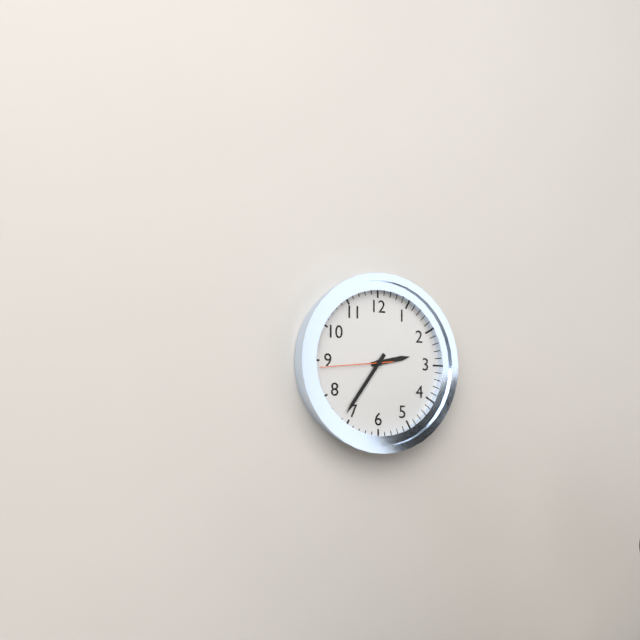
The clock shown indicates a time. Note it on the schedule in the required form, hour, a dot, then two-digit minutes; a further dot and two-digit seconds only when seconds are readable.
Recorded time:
2.36.44
